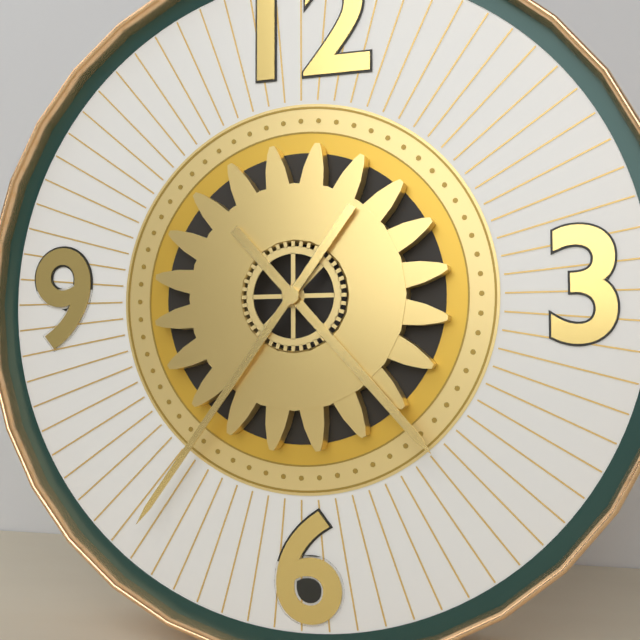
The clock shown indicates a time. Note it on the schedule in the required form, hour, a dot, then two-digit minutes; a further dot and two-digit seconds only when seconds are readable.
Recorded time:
4.36
